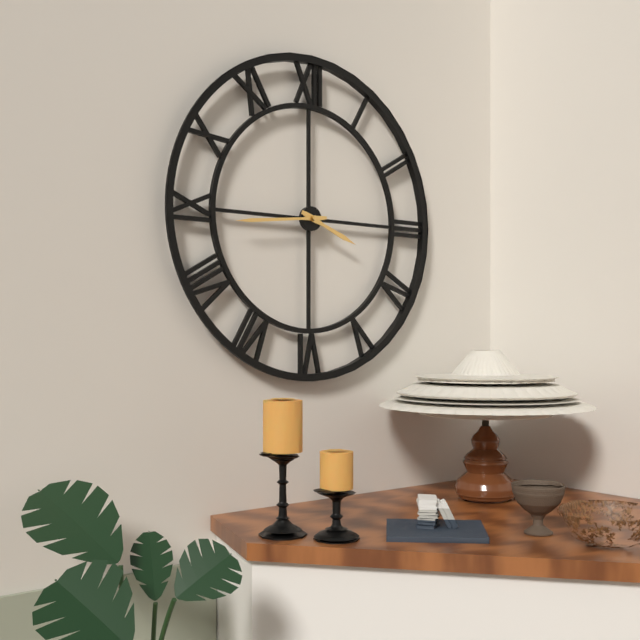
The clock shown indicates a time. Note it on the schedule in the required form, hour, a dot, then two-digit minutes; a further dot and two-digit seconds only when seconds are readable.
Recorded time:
3.44
